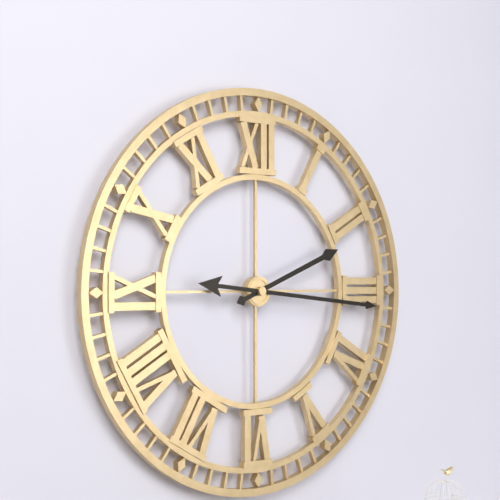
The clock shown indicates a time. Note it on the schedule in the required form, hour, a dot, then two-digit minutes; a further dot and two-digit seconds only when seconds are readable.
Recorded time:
2.16
